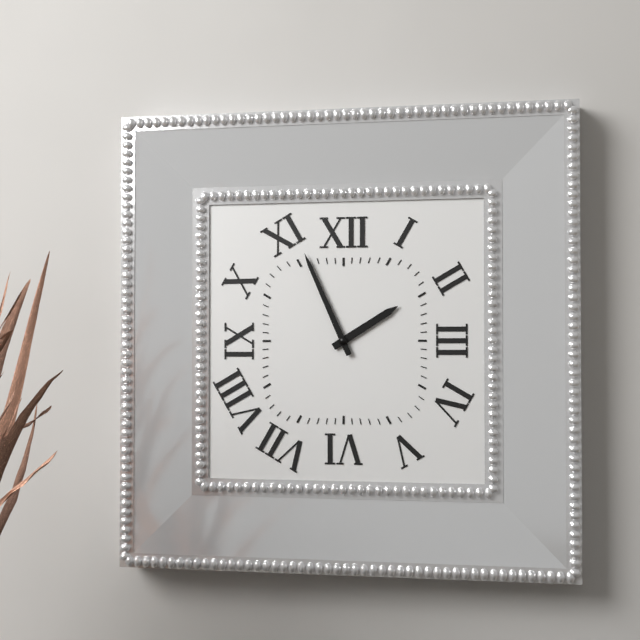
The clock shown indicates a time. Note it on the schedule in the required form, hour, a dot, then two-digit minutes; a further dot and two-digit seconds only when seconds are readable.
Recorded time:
1.56
